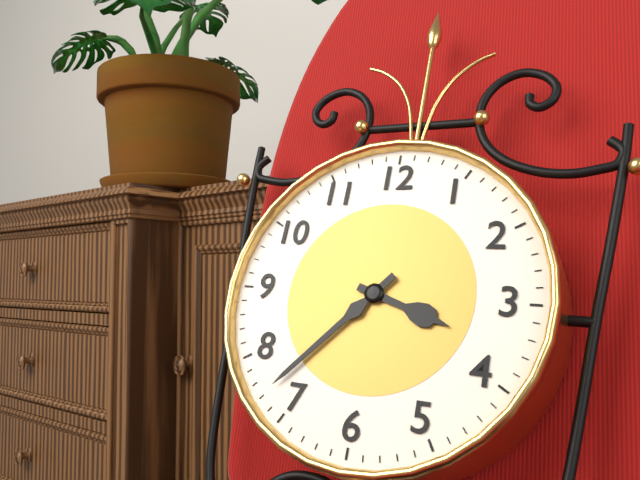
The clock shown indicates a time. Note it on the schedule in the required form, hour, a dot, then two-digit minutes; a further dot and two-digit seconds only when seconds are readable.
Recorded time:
3.37
